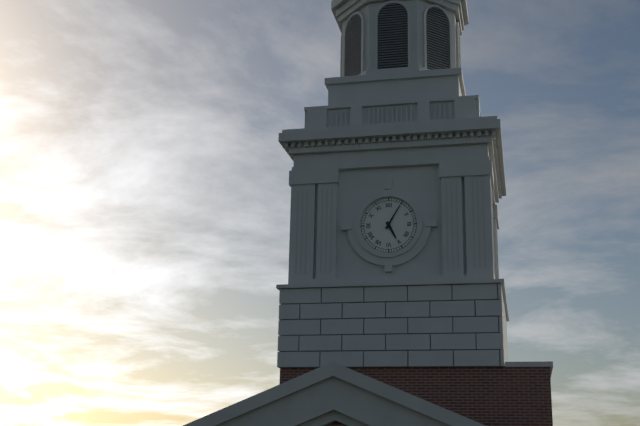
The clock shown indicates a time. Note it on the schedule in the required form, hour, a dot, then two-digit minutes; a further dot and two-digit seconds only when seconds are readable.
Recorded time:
5.05
